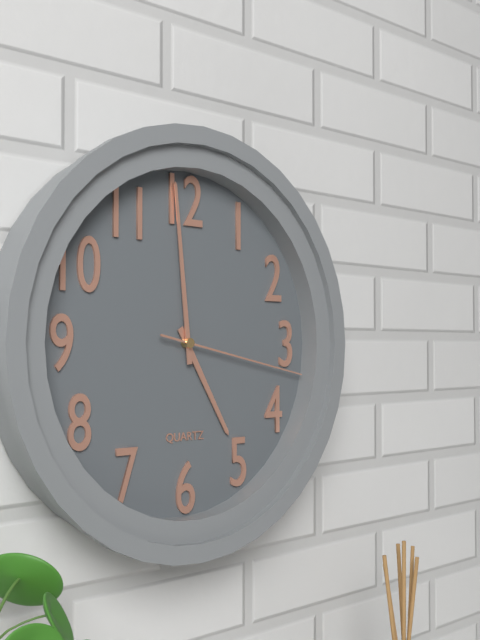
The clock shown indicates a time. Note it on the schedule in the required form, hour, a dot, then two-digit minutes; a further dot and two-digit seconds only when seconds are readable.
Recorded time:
4.59.17
